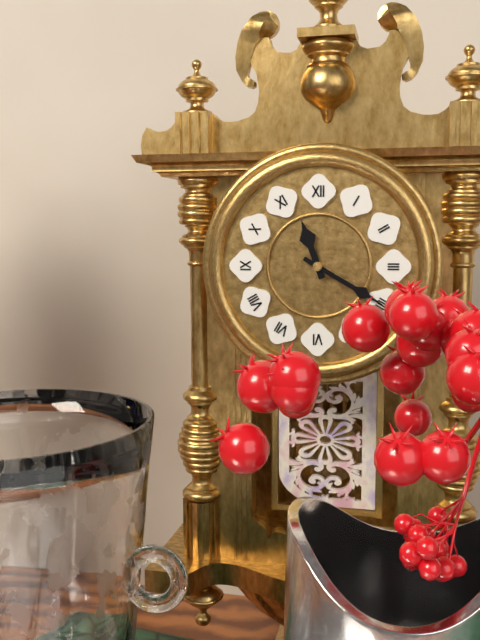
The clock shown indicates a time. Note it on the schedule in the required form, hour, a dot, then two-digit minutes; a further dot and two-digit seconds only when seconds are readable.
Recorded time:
11.20
